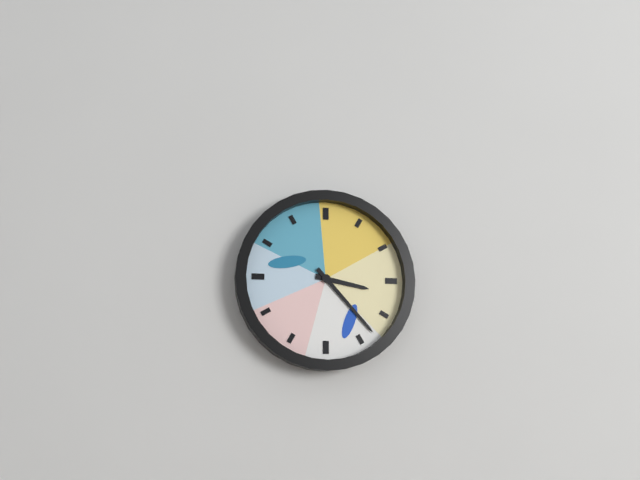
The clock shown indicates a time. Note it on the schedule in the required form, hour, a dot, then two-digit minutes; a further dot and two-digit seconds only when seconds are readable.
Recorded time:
3.23
